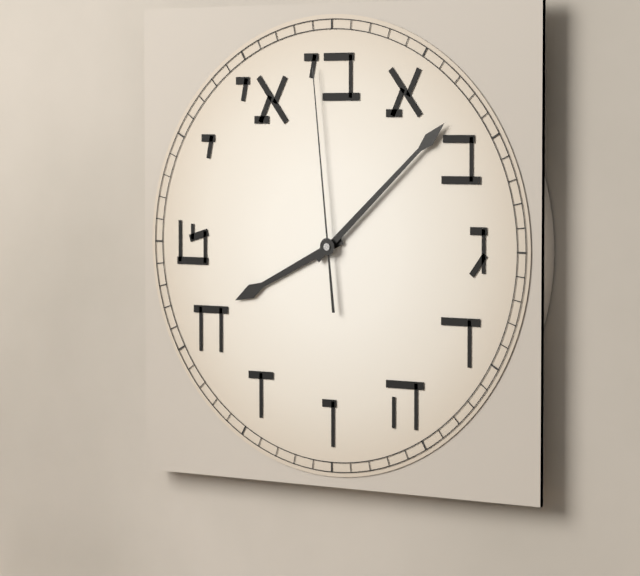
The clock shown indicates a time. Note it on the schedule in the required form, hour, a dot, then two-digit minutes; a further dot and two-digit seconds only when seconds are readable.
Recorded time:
8.08.59
